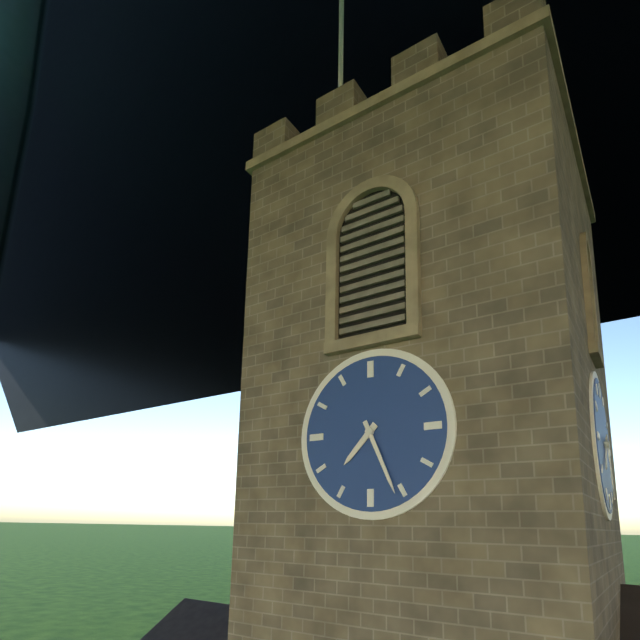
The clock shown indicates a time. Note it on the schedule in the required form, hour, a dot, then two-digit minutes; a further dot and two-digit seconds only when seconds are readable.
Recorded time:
7.26
